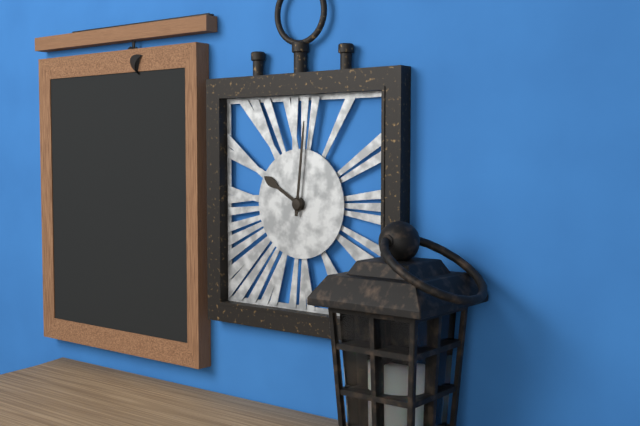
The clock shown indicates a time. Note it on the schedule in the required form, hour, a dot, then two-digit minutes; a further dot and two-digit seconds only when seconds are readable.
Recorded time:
10.01
